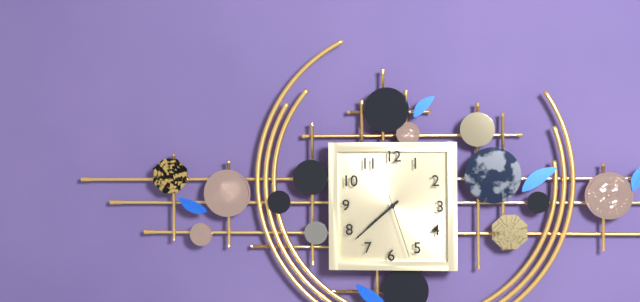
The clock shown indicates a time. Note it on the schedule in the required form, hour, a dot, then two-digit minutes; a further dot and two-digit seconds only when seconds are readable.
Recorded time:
7.38.27
